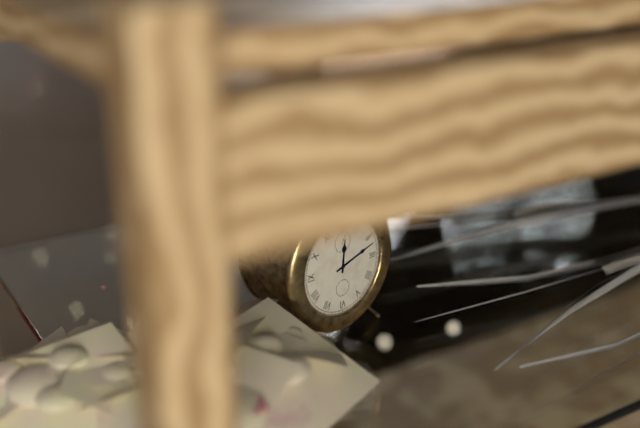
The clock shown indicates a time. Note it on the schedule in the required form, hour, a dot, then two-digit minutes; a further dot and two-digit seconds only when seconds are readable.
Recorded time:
12.12
